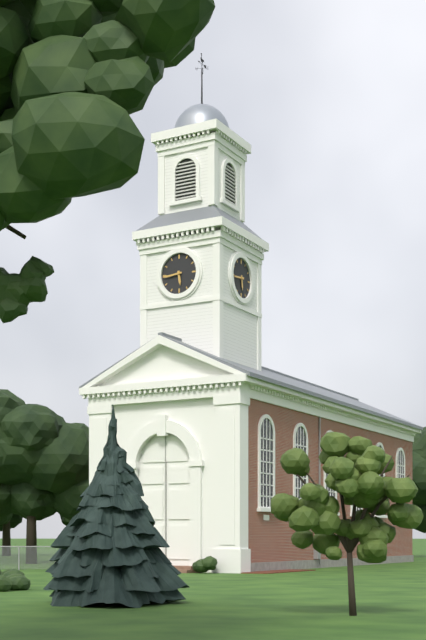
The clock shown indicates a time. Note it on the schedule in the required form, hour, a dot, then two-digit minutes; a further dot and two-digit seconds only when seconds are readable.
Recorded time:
5.44
